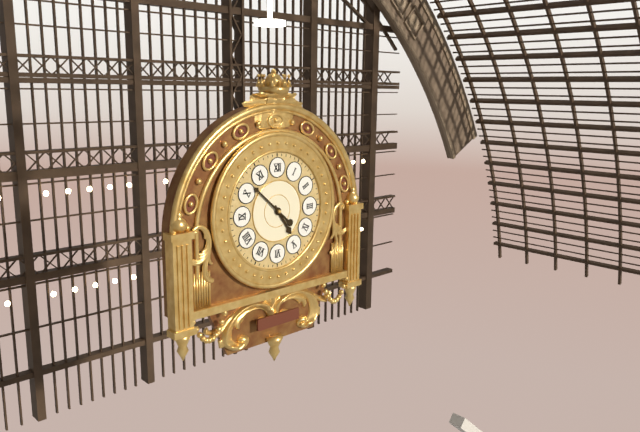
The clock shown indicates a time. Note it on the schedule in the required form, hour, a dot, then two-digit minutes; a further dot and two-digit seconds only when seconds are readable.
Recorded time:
4.52
